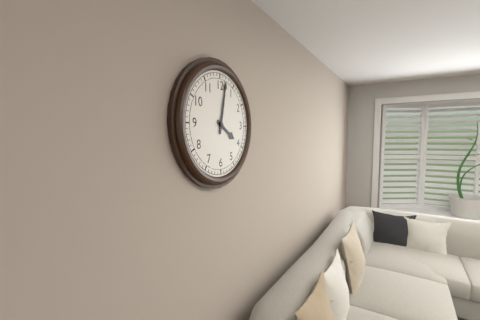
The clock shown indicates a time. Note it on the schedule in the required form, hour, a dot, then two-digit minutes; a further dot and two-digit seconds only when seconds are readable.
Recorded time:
4.02
